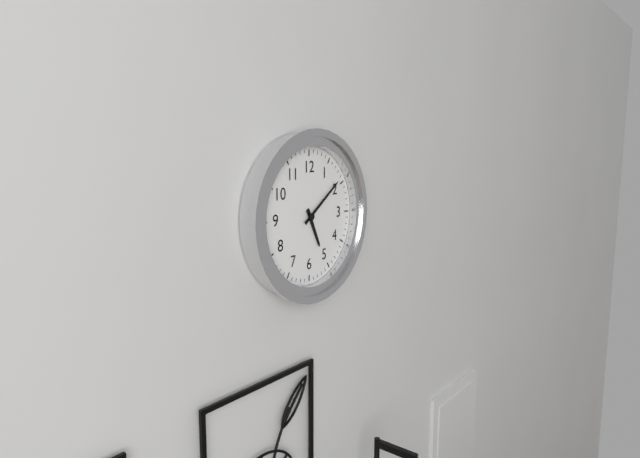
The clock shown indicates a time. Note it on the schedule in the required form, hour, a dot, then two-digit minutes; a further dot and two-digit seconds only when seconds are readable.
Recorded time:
5.09
